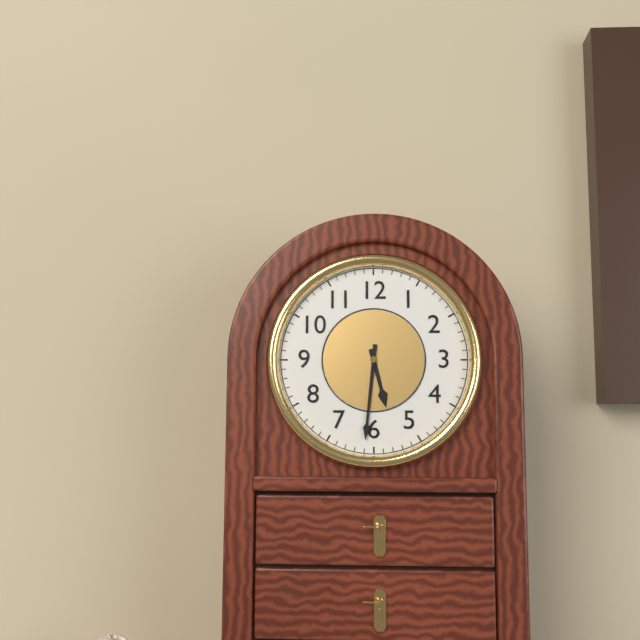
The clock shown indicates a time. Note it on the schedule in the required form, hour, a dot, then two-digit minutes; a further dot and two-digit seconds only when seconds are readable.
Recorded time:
5.31
